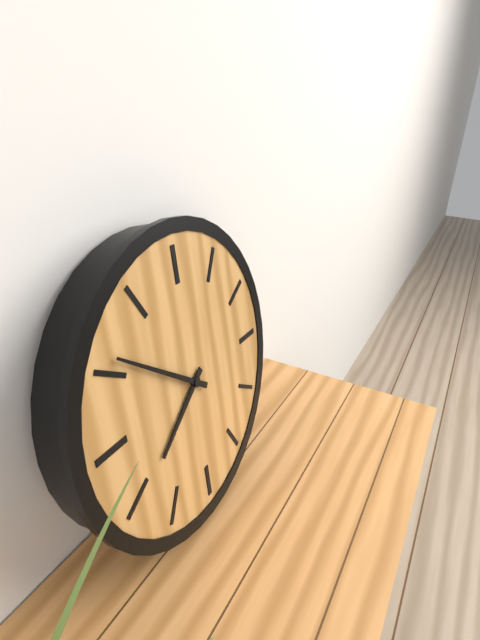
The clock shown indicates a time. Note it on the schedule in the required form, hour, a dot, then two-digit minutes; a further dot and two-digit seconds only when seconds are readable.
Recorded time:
7.51
